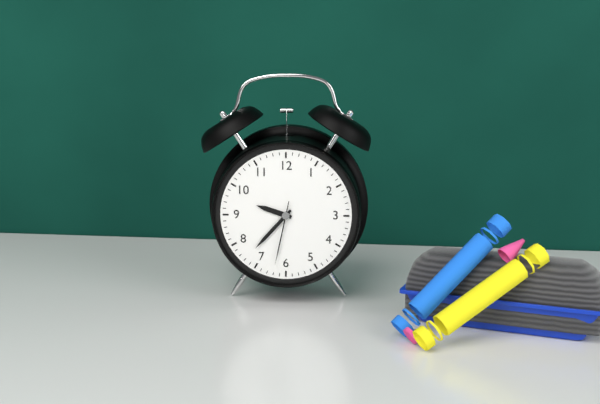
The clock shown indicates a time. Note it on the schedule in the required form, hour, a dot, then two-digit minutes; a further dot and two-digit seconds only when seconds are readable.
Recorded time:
9.37.32
